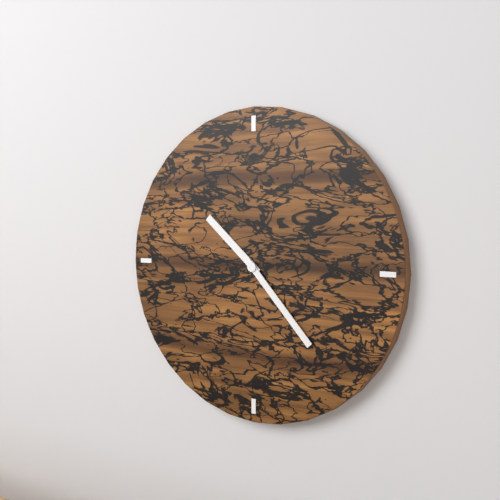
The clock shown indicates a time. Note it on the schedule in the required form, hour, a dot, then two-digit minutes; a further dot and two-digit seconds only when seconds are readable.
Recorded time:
10.23
